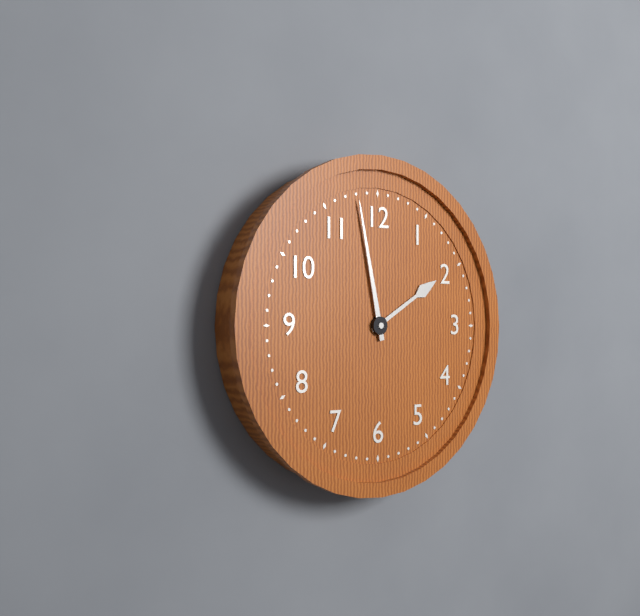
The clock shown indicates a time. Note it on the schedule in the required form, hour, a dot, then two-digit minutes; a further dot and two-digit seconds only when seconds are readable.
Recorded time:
1.58
